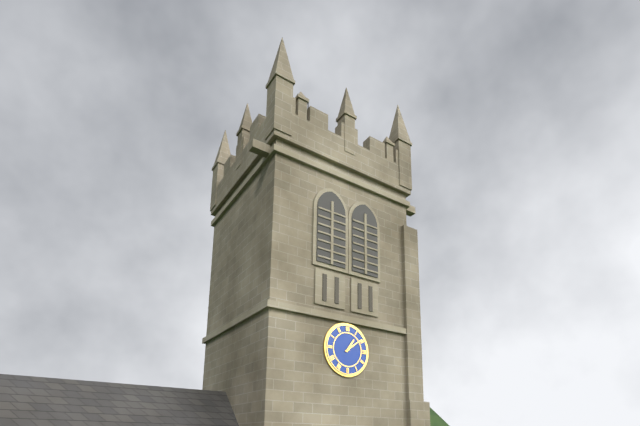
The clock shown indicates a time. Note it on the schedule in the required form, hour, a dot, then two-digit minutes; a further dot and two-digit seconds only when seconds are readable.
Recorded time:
1.09
